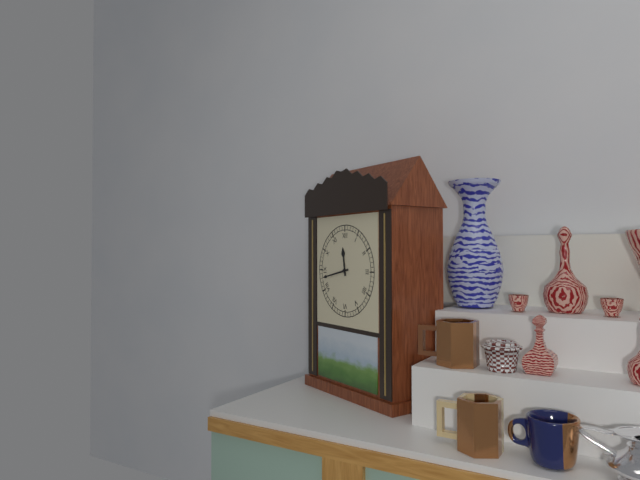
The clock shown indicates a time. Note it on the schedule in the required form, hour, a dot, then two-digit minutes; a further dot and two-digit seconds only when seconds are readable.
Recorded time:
11.43
